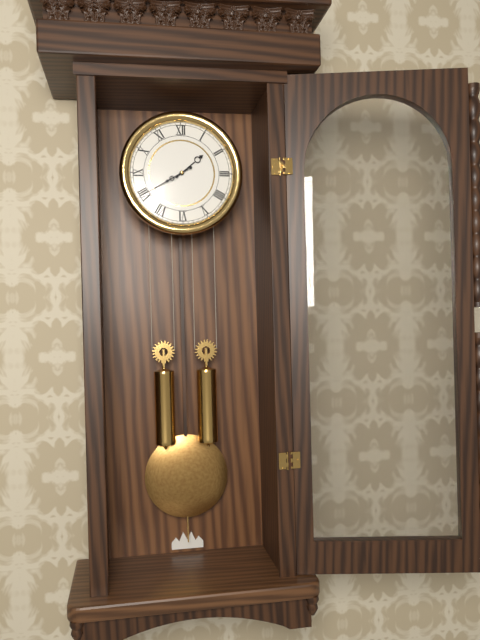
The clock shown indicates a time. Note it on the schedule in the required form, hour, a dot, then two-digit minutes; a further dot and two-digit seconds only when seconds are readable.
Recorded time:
1.40
